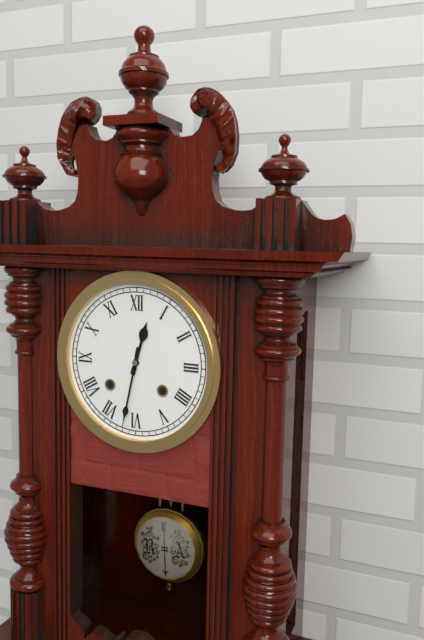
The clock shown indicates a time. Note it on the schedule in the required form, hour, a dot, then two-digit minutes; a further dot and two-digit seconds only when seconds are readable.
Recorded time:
12.32
